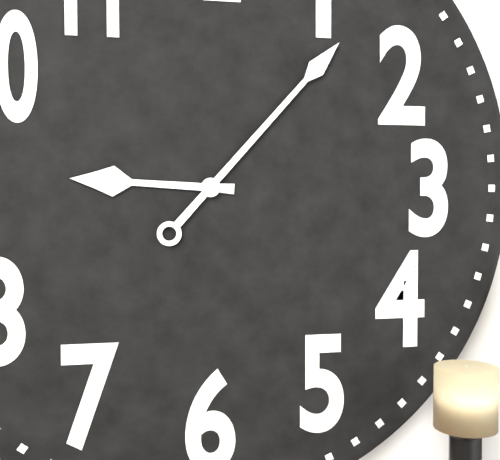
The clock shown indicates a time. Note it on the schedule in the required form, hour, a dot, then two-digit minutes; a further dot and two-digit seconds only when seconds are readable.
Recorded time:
9.07
